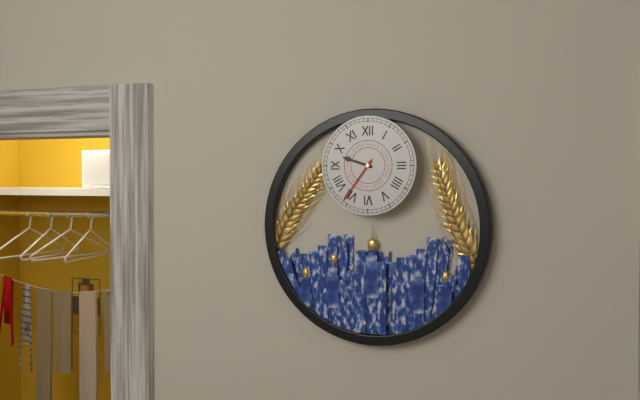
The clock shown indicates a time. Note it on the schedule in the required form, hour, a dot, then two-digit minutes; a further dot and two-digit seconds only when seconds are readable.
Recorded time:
9.36
